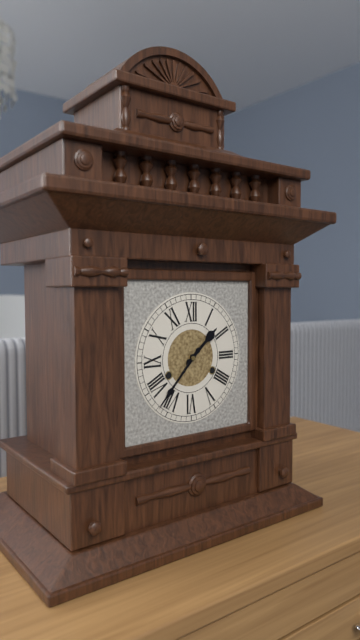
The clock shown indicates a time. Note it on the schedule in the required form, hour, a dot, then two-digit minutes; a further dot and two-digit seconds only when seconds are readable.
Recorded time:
1.37
